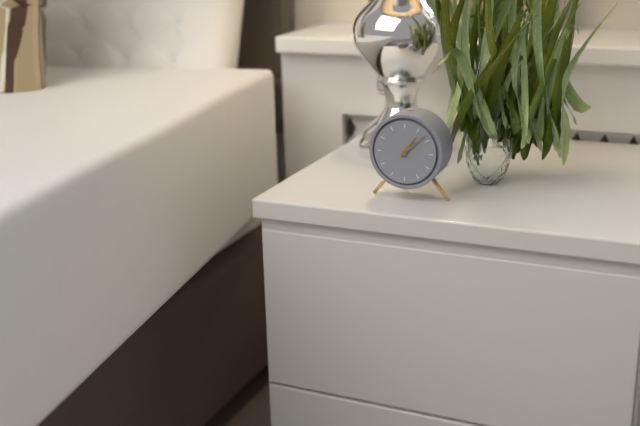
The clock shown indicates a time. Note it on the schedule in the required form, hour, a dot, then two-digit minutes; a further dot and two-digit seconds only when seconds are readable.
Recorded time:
1.08
